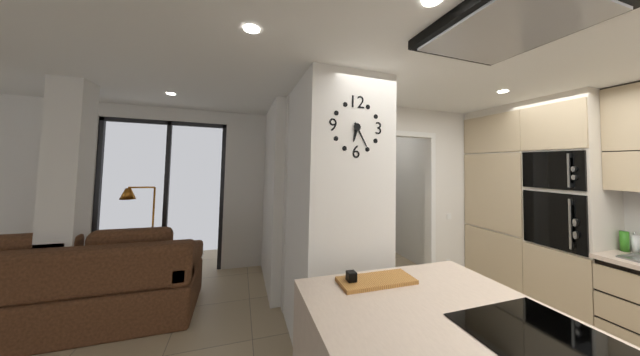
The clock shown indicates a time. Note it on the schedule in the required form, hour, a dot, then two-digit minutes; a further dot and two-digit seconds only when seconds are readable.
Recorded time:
6.25
